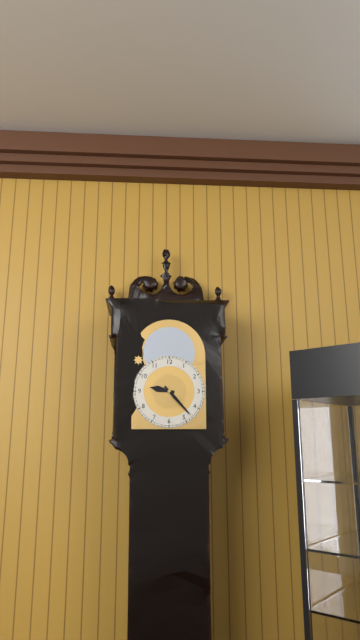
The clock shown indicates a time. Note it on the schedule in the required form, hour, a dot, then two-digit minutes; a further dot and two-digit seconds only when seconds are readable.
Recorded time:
9.23
